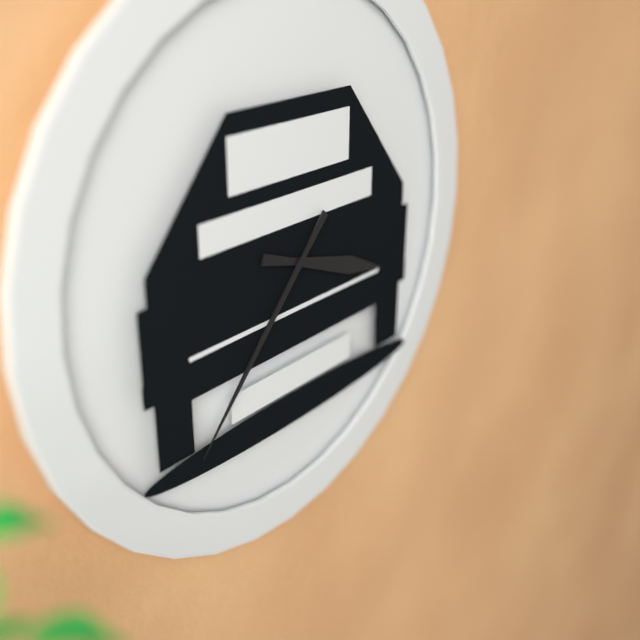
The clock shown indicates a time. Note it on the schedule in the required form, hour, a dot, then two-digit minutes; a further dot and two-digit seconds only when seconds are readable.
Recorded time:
3.37
